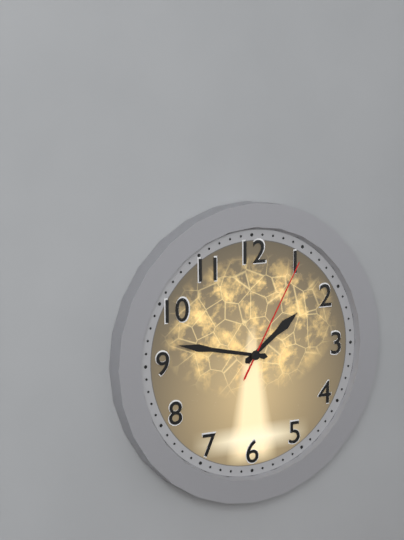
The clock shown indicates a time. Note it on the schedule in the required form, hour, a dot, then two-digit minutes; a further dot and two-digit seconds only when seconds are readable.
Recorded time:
1.47.05
